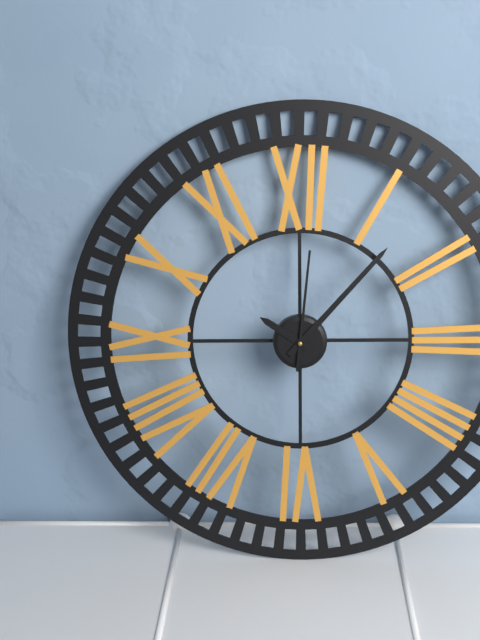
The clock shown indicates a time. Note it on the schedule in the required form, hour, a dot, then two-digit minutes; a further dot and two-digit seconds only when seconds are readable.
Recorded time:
10.07.01
